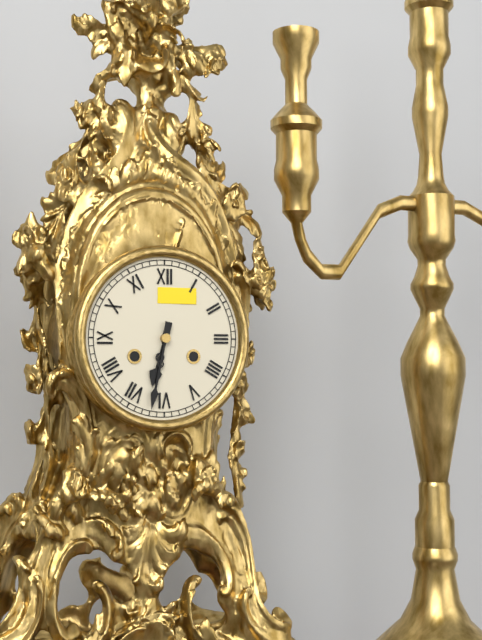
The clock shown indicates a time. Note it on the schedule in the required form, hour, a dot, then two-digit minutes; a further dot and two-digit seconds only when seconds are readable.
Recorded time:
6.32
